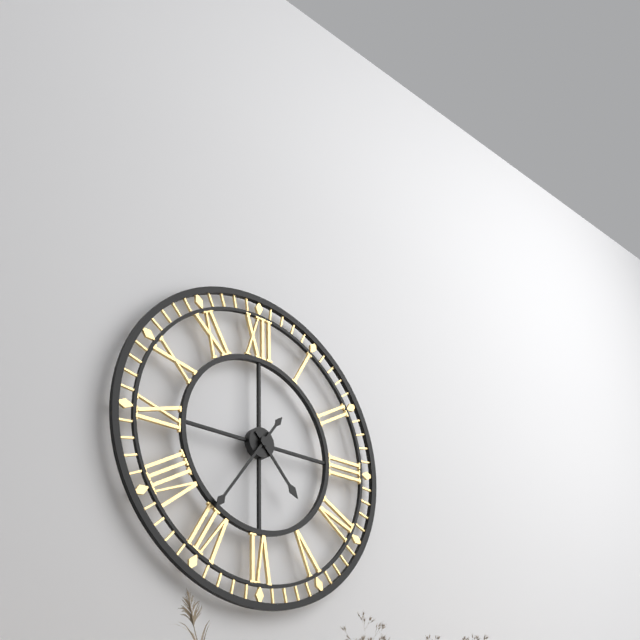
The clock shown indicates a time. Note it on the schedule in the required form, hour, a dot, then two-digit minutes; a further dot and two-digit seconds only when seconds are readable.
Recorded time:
4.36
